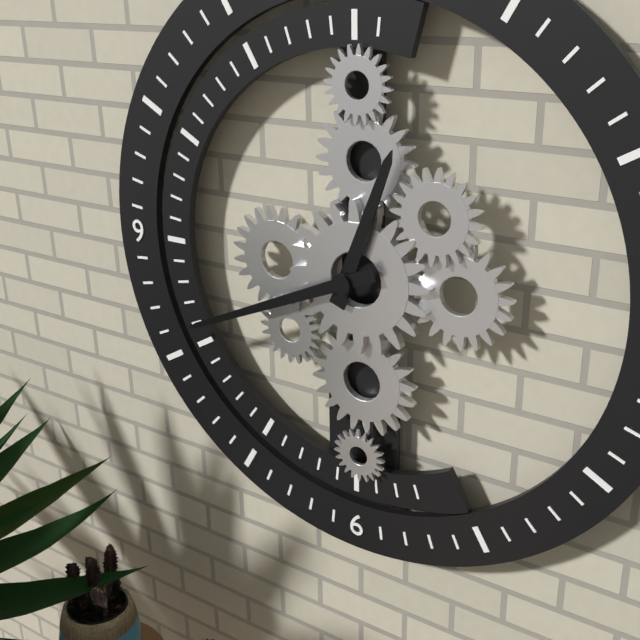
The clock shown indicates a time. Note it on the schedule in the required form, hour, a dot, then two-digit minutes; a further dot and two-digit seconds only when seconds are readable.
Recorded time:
12.41
